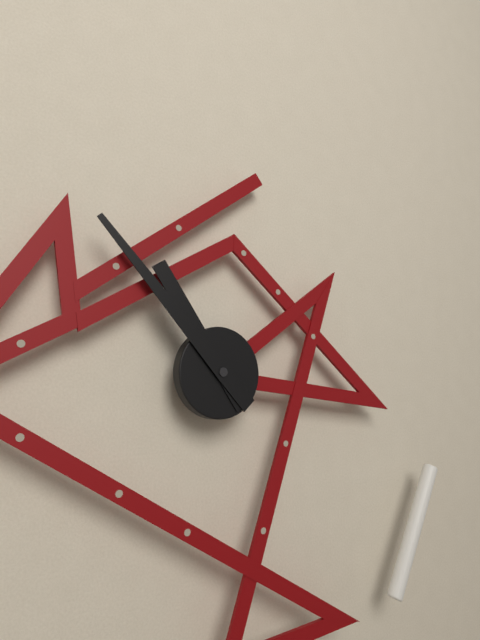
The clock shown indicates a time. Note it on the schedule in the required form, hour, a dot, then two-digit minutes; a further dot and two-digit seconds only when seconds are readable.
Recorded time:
10.53
